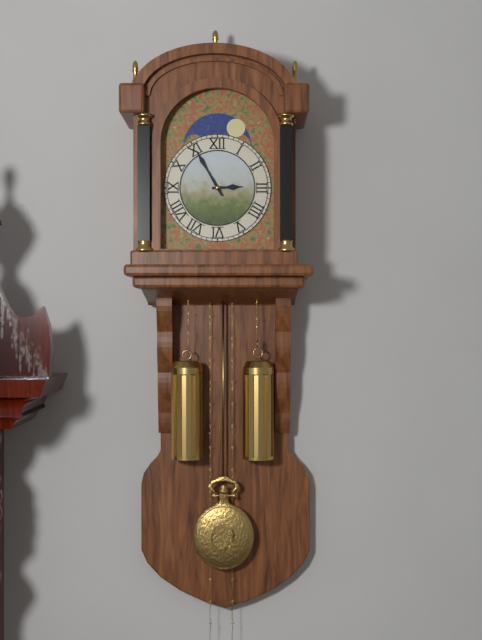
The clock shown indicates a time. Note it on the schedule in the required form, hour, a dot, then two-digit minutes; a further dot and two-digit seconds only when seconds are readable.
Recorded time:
2.55
